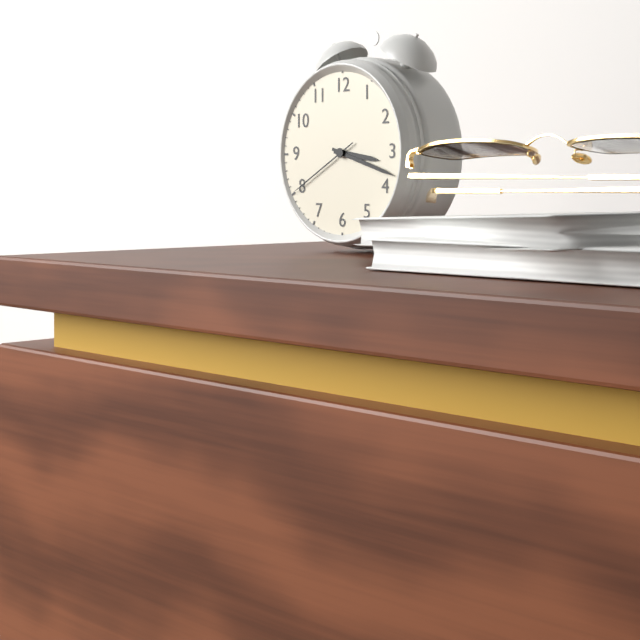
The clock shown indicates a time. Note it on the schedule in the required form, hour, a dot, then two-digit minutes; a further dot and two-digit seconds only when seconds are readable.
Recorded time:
3.18.40
